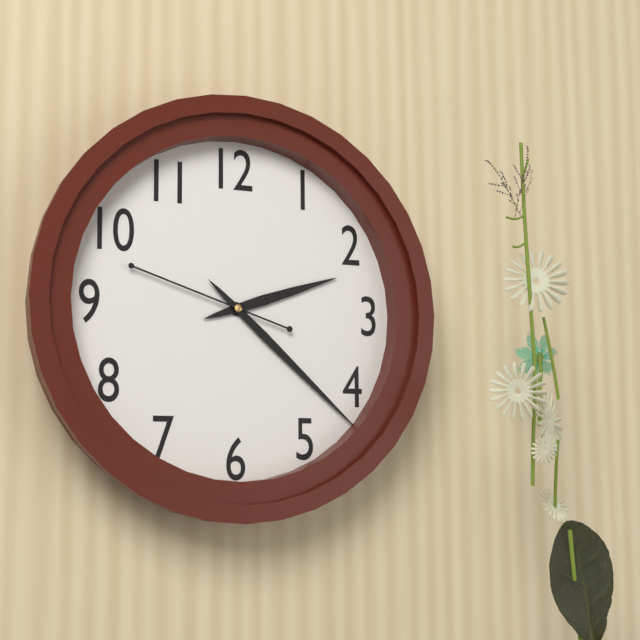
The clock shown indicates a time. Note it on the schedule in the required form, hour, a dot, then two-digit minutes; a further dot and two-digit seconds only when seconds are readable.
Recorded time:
2.22.48
